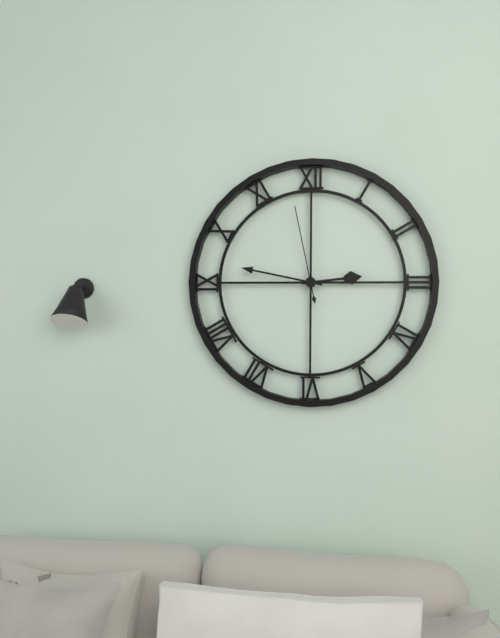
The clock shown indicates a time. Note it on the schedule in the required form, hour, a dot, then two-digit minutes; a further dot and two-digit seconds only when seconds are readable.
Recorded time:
2.47.58
